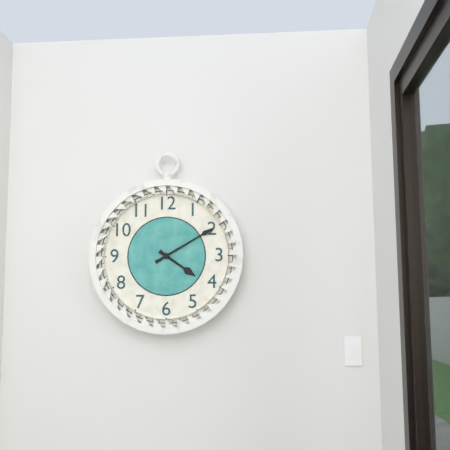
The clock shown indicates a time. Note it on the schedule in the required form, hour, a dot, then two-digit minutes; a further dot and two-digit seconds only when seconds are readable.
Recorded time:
4.10
